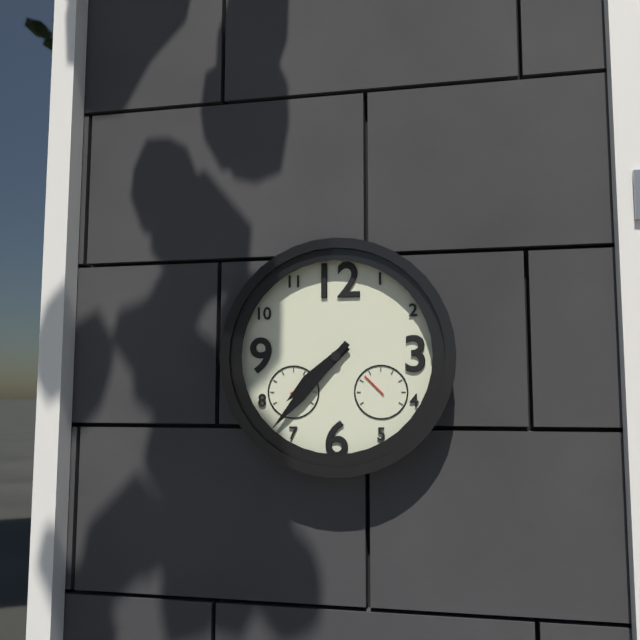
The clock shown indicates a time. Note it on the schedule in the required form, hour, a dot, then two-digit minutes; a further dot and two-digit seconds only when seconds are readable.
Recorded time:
7.37
